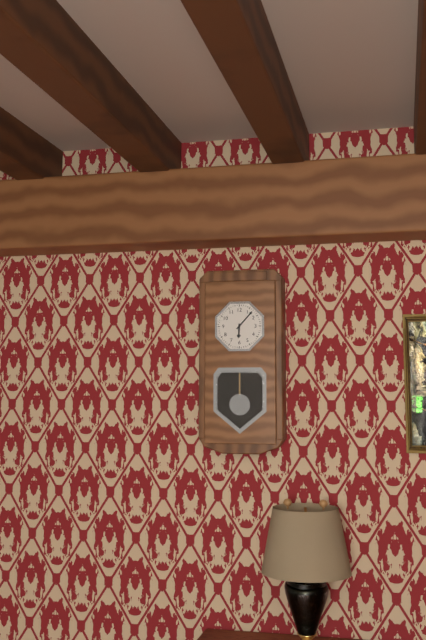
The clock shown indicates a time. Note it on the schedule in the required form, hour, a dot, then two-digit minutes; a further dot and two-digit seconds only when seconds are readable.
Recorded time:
6.07
